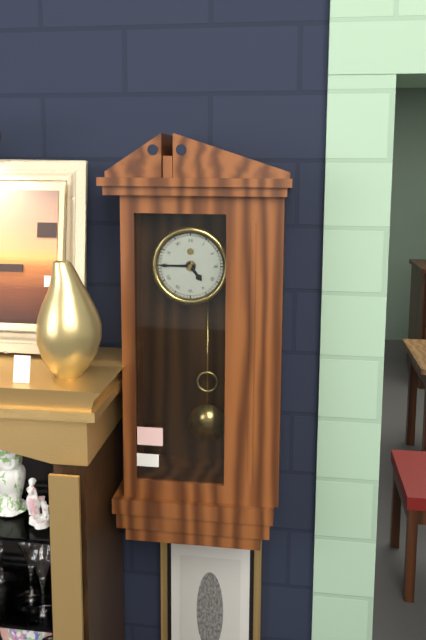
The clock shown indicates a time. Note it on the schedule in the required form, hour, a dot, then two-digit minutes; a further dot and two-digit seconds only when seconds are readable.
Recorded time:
4.45
